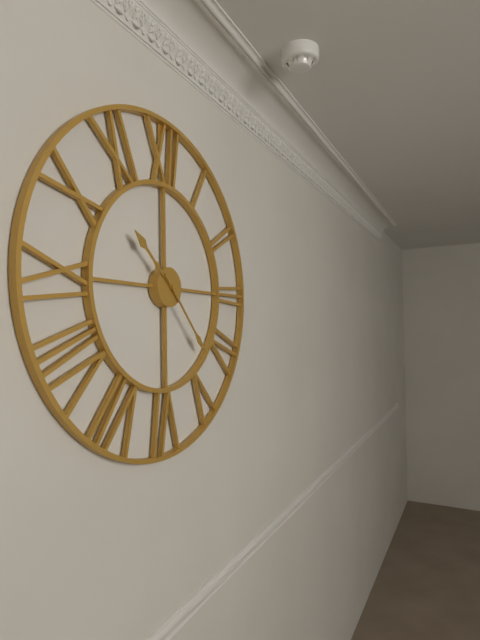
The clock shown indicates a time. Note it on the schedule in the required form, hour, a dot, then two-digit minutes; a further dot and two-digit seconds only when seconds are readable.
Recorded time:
10.23
